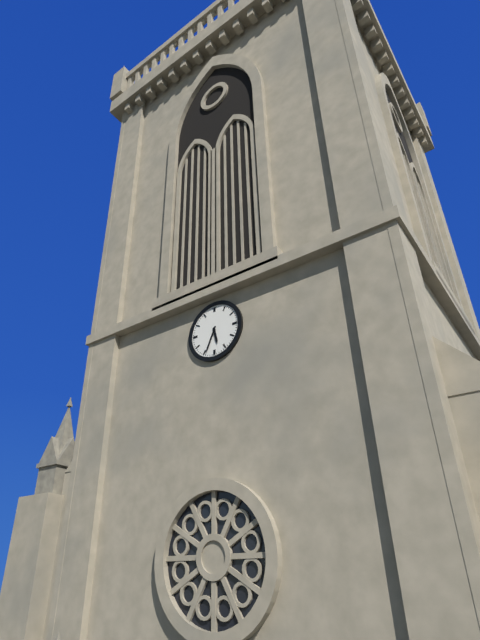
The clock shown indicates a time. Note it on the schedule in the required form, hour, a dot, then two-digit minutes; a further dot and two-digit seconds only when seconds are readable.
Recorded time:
5.34
